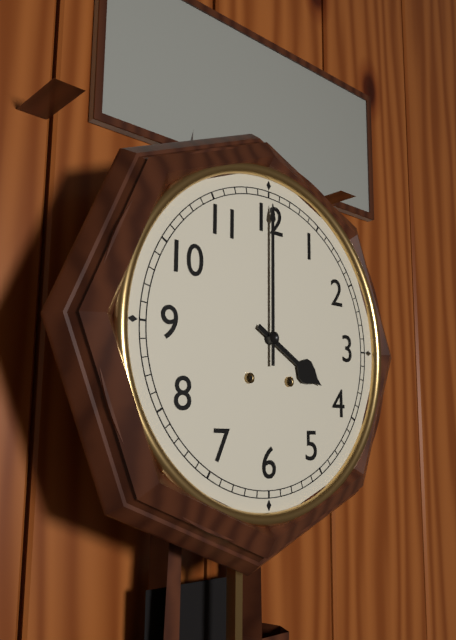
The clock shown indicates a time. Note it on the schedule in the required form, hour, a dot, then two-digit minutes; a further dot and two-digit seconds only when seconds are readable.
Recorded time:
4.00
